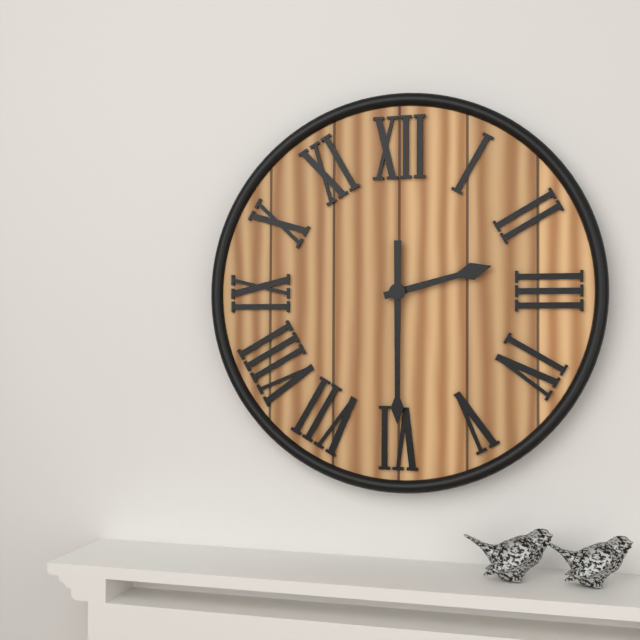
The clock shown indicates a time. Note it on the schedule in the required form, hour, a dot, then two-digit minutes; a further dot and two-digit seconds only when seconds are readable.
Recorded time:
2.30
